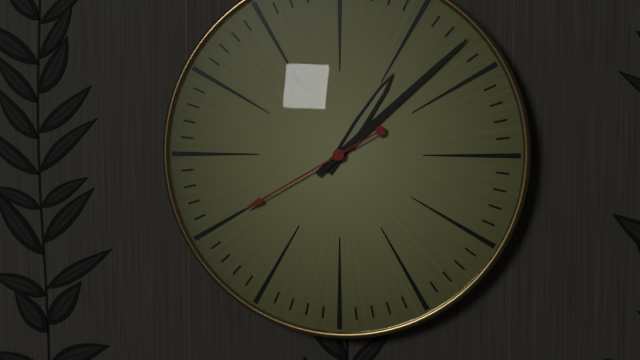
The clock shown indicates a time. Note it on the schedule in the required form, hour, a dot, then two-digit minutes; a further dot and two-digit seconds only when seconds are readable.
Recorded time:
1.08.40
